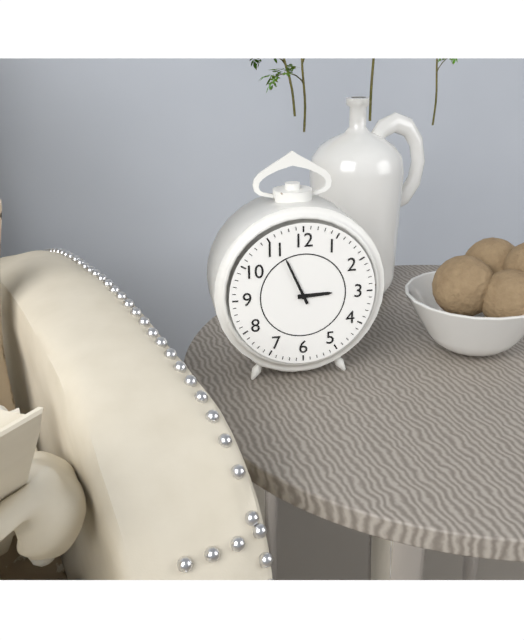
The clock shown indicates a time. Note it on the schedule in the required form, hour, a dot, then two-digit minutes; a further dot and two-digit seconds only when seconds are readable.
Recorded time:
2.56
